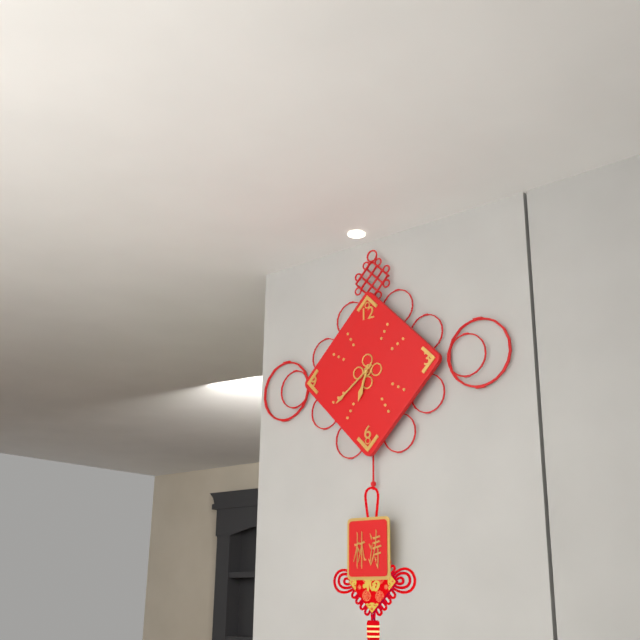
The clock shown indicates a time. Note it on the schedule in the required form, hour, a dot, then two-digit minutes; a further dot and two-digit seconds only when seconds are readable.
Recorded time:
6.39
